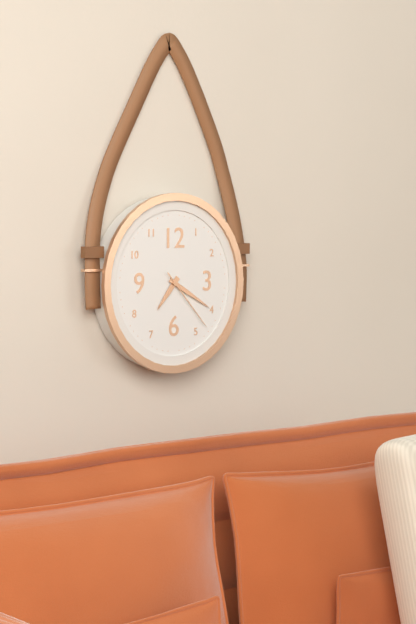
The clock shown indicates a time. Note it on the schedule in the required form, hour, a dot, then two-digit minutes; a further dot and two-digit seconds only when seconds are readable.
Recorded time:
7.20.23
